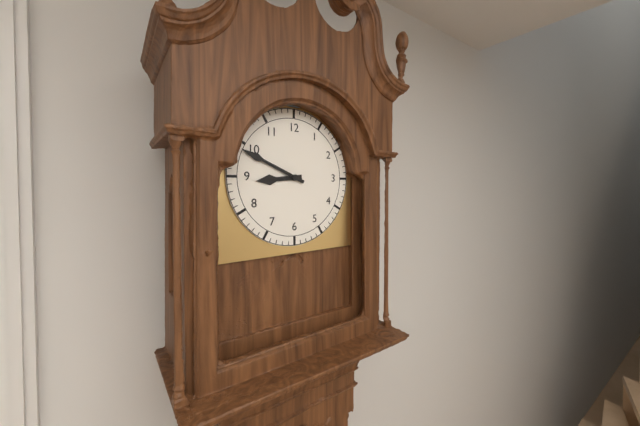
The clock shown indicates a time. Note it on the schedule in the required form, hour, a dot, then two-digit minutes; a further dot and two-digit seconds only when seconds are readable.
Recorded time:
8.49
